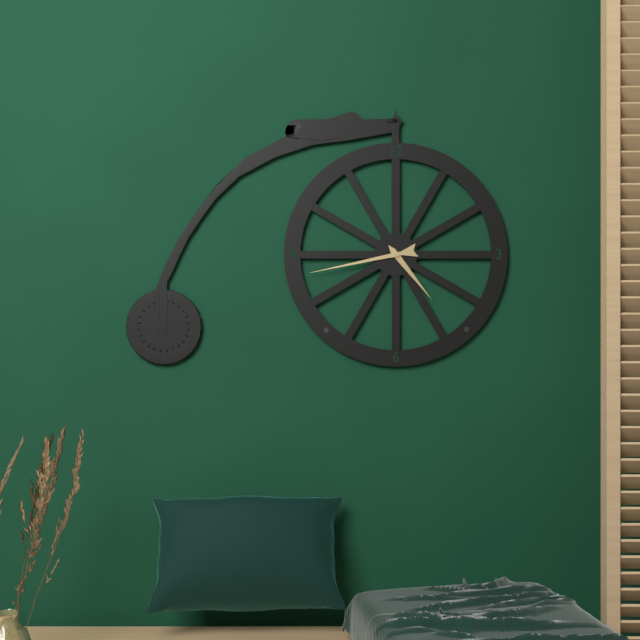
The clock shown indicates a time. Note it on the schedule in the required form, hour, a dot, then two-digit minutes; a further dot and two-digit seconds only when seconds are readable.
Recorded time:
4.43
